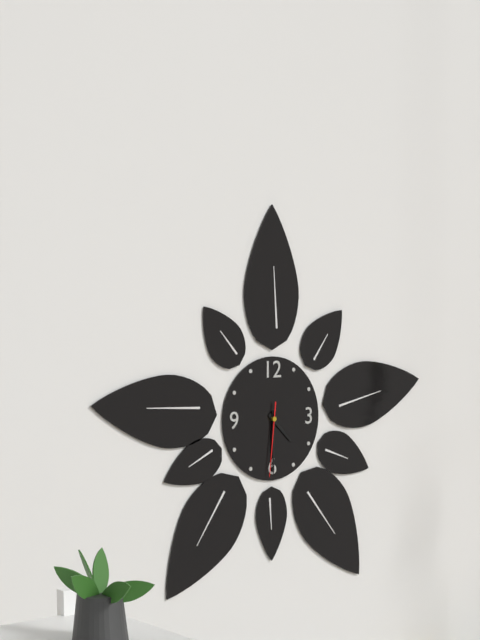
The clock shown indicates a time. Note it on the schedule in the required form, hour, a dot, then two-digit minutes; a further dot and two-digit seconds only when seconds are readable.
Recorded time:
4.30.31
